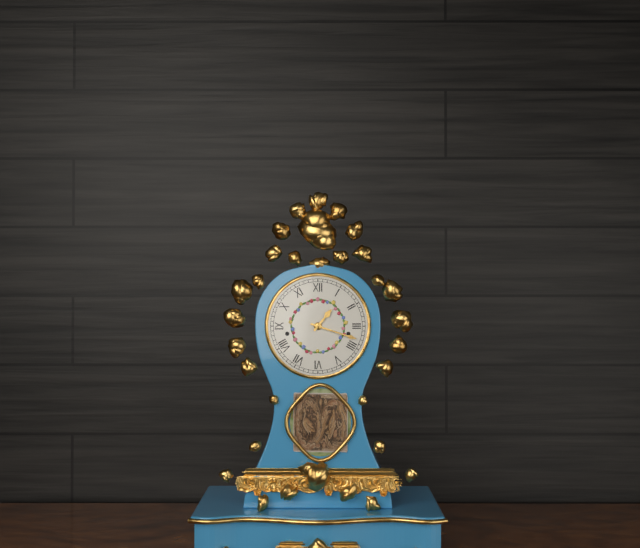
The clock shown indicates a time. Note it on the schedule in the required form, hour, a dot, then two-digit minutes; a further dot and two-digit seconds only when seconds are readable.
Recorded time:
1.18
